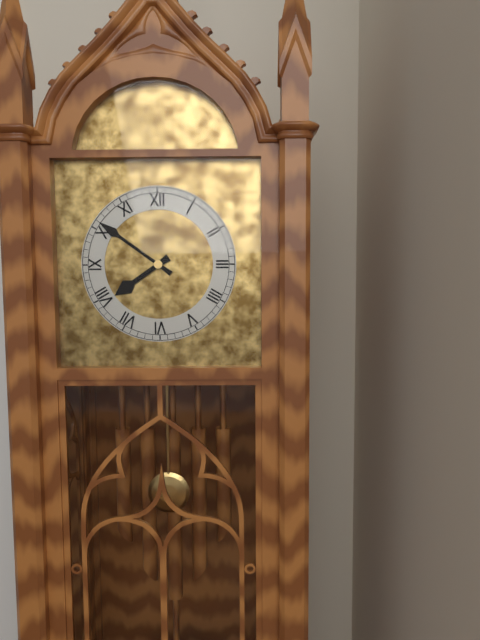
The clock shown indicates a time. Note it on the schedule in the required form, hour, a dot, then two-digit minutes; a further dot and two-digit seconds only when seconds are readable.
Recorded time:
7.51
